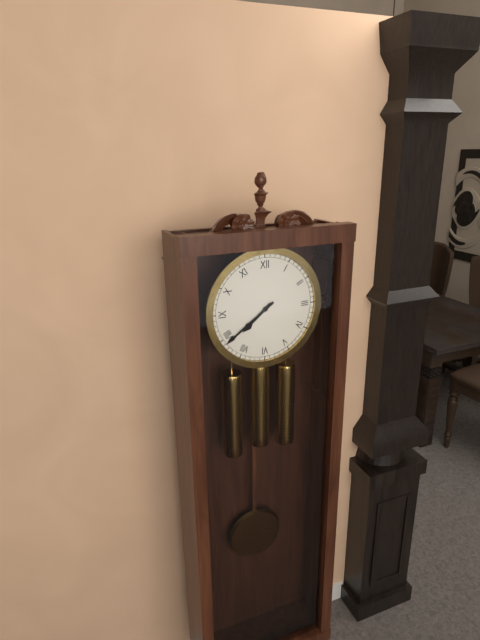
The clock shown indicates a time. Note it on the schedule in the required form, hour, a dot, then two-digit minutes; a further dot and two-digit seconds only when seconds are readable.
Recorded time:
7.39
